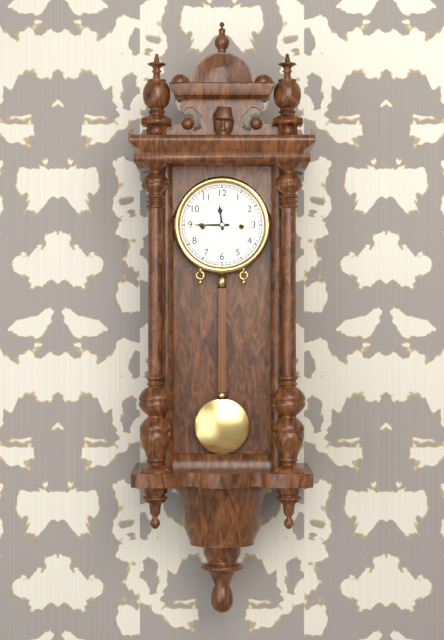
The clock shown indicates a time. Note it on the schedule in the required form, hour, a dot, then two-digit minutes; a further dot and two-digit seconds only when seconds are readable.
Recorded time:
11.45
